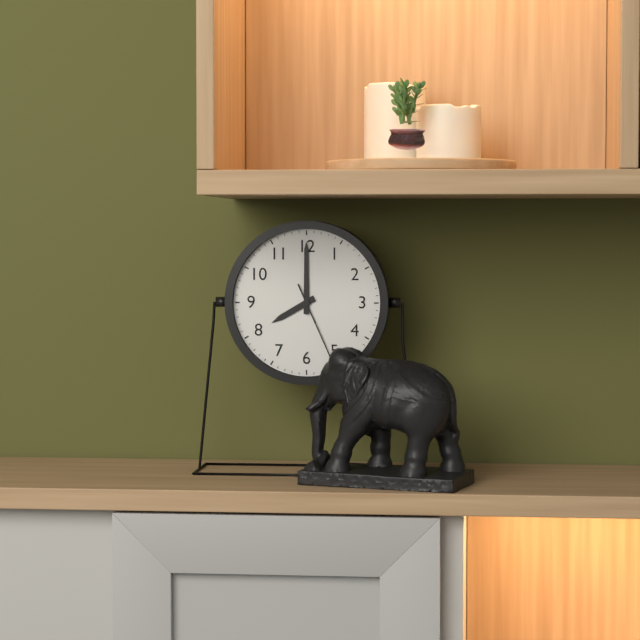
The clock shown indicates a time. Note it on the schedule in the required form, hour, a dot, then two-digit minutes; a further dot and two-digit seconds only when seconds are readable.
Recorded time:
8.00.26
